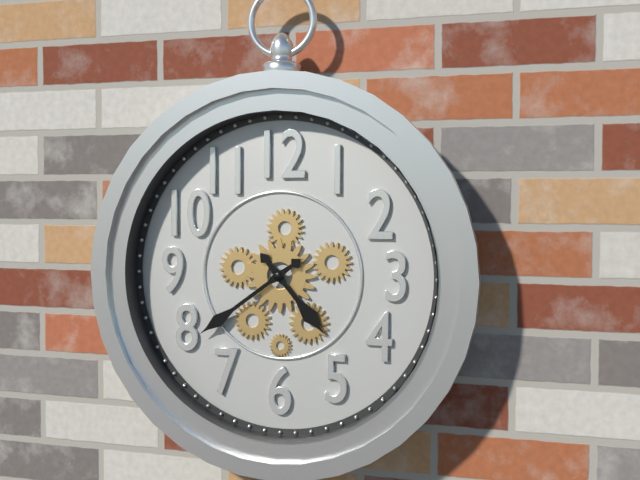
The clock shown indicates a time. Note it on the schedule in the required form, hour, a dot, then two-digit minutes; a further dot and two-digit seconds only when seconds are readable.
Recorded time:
4.39
